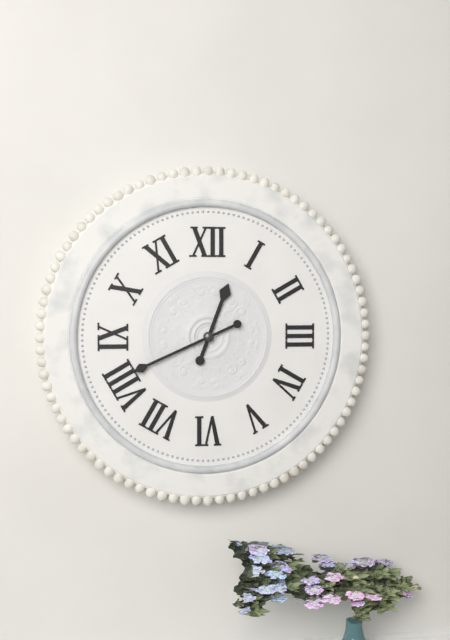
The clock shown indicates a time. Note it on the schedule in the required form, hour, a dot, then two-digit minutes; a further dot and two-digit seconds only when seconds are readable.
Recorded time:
12.41
